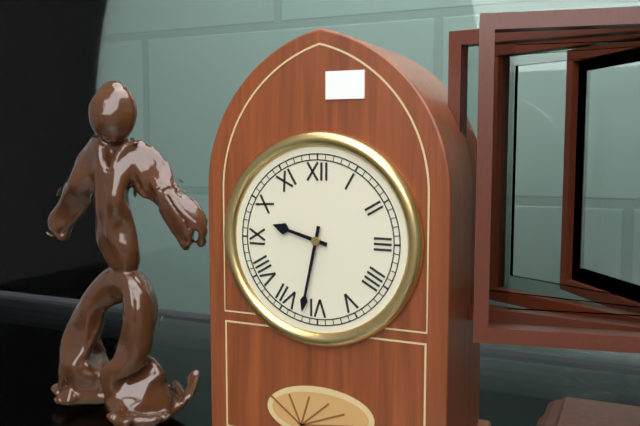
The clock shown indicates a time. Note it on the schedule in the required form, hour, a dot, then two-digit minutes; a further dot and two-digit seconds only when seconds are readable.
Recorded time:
9.32
